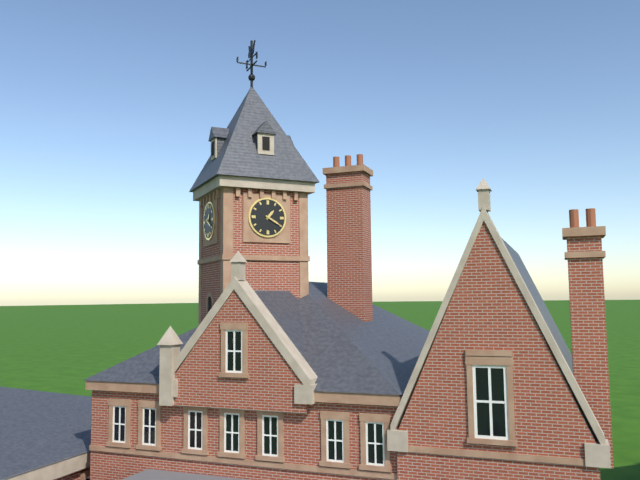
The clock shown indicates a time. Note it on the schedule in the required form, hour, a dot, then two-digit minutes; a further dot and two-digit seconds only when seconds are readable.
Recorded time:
1.20
